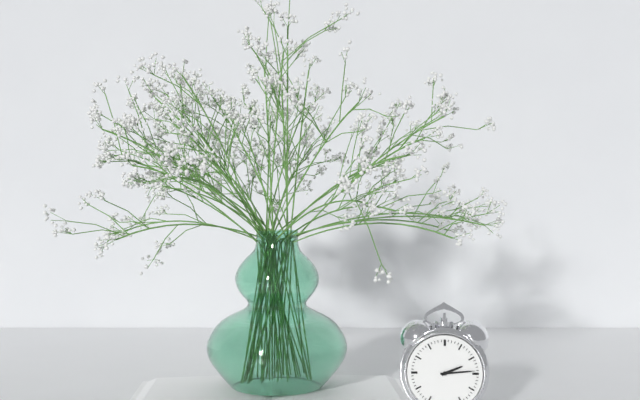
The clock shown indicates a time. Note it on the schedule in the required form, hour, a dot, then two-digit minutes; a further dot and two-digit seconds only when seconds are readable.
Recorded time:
2.14
